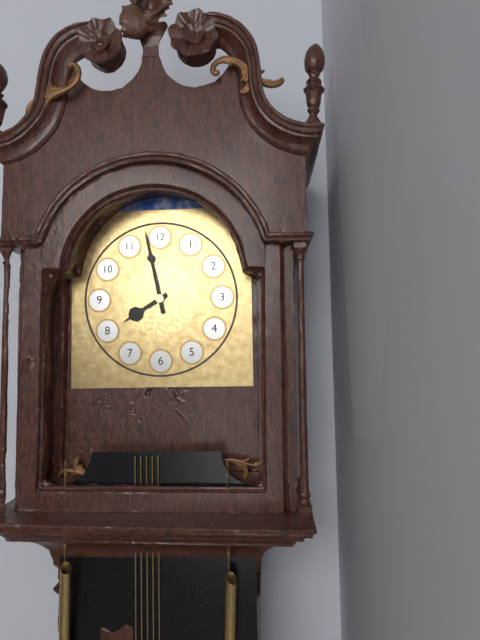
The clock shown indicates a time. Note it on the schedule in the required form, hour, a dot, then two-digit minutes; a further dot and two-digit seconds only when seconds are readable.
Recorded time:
7.58
